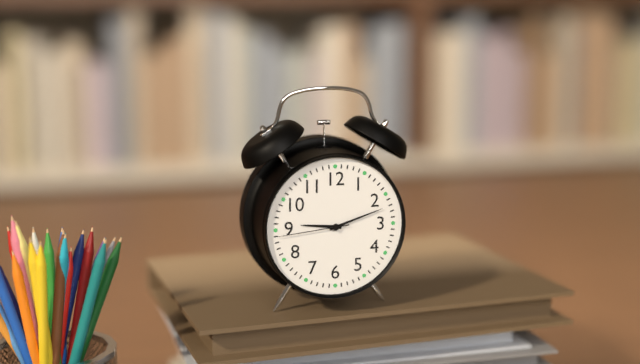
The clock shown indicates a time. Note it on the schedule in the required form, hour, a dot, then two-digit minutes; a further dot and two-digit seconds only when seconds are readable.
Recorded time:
9.12.44
